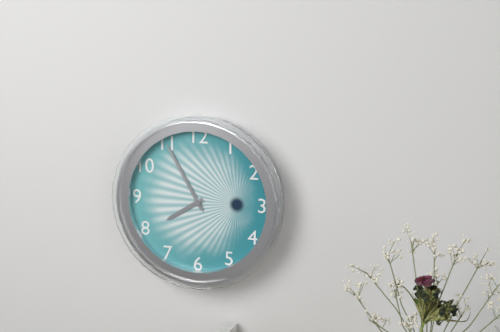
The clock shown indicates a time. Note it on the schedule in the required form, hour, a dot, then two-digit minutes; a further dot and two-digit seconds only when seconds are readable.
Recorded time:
7.55
